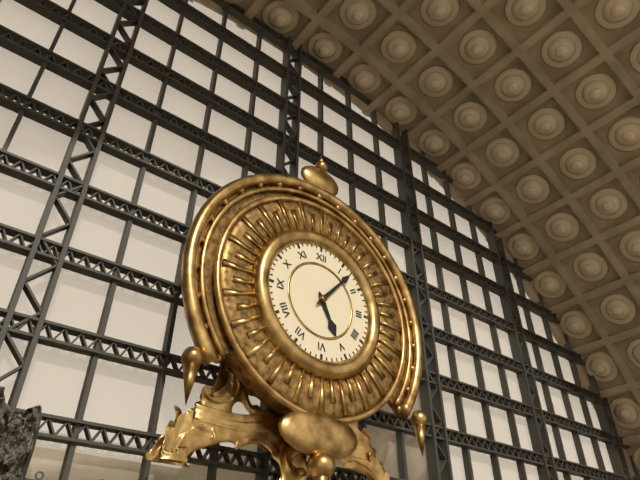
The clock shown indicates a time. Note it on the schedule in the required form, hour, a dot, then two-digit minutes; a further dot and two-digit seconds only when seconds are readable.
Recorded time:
5.07
